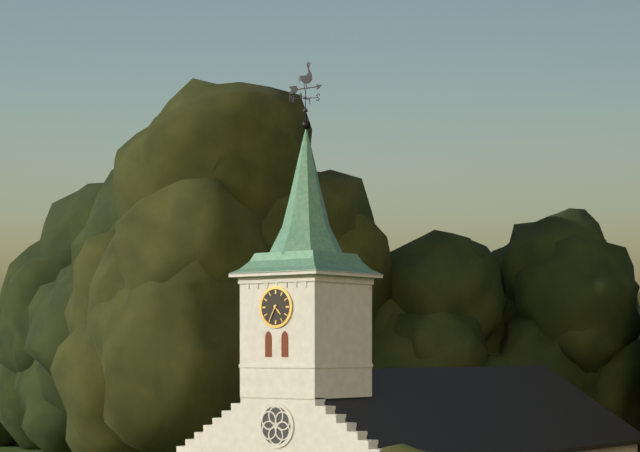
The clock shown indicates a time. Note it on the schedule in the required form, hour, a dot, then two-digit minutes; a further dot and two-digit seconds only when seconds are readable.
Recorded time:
4.35
